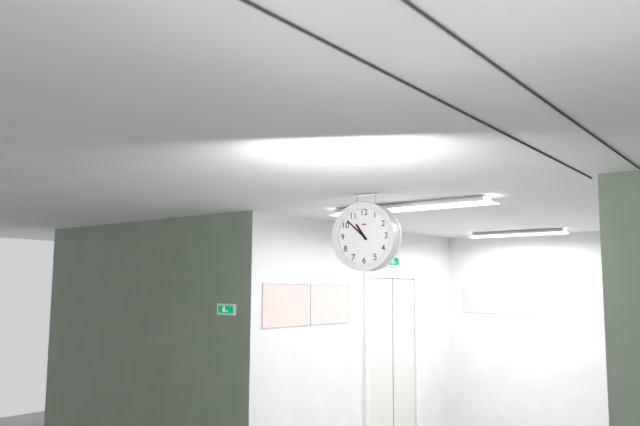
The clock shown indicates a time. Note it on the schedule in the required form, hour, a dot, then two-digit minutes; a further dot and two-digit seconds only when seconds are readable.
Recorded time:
10.52
